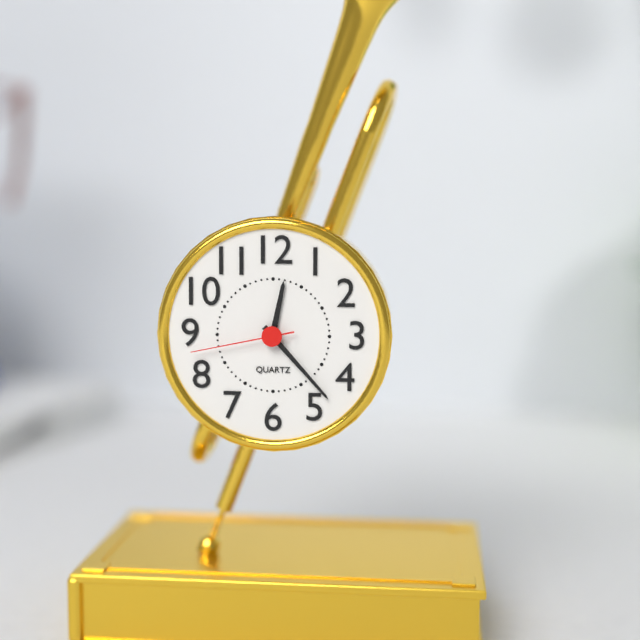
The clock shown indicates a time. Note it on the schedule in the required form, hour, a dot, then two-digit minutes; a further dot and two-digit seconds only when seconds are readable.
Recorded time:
12.23.43
